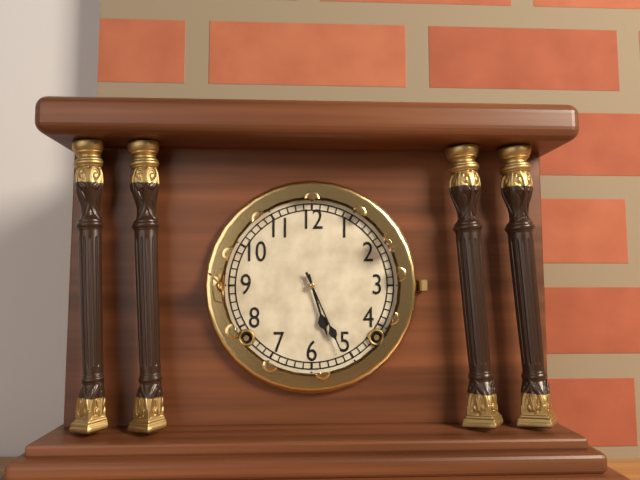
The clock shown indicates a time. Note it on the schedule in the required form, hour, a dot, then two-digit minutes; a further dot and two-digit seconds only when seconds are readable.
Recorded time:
5.26
